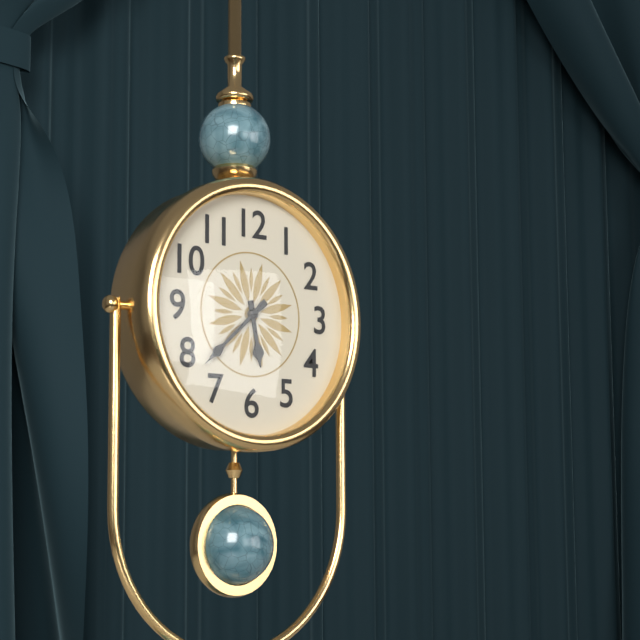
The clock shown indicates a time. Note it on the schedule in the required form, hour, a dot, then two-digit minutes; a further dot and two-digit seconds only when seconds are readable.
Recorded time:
5.38
